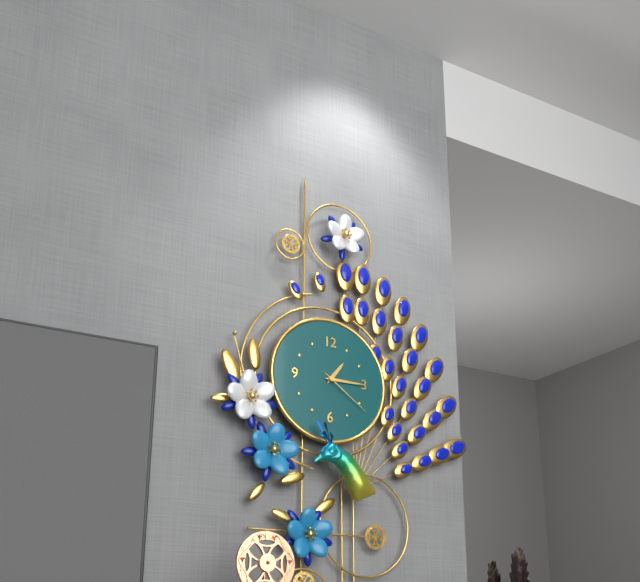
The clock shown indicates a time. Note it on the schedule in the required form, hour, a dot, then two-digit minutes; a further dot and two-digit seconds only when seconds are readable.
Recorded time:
1.15.21
